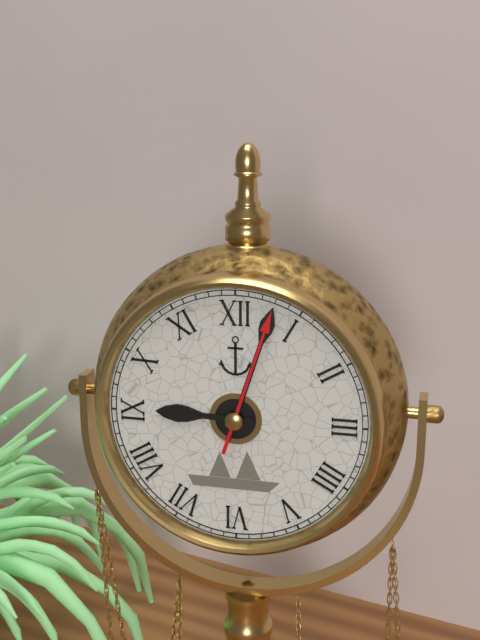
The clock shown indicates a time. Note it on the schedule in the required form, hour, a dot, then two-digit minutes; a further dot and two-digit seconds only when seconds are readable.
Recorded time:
9.03.03
